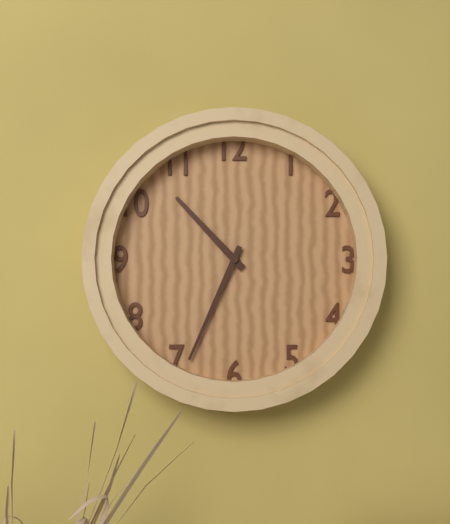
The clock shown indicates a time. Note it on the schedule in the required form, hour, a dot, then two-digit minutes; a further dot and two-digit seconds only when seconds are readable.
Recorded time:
10.34
